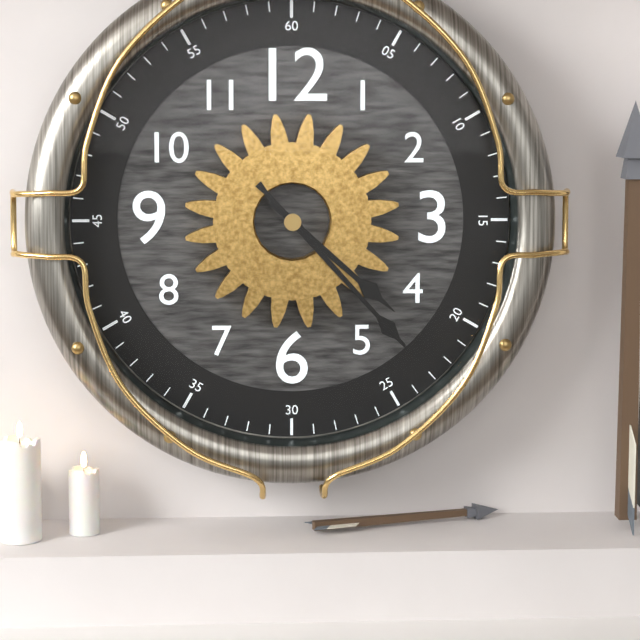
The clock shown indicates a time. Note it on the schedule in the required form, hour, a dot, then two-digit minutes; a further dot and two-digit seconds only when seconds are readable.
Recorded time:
4.23
